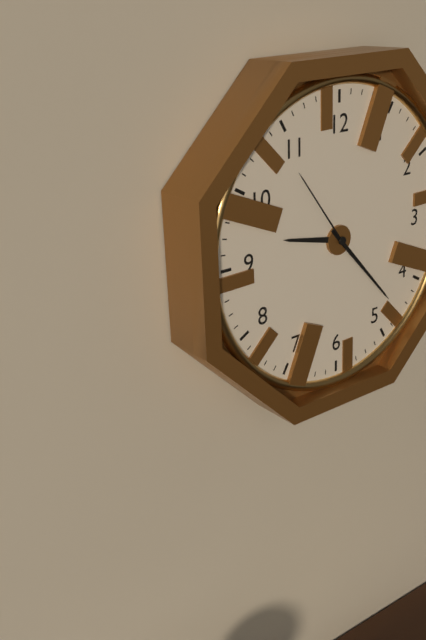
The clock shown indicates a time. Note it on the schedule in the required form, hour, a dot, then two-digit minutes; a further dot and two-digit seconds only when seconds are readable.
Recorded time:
9.23.54
